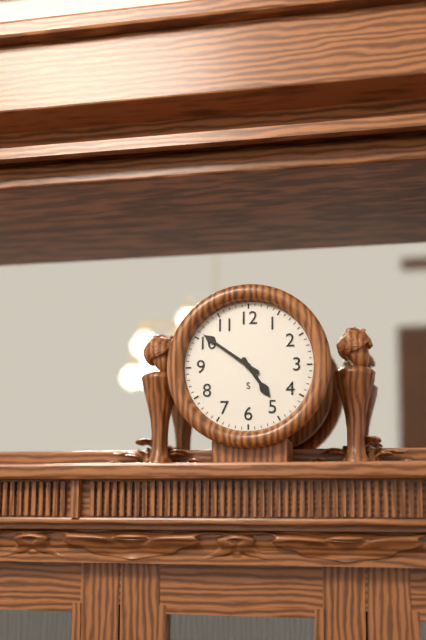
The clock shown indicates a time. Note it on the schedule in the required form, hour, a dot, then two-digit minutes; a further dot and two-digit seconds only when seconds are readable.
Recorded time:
4.51
